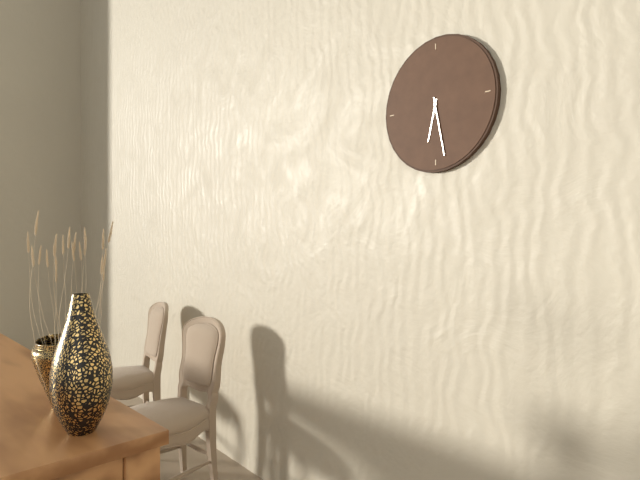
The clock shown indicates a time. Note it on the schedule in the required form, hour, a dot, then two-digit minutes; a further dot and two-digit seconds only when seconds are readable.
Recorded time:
6.28
